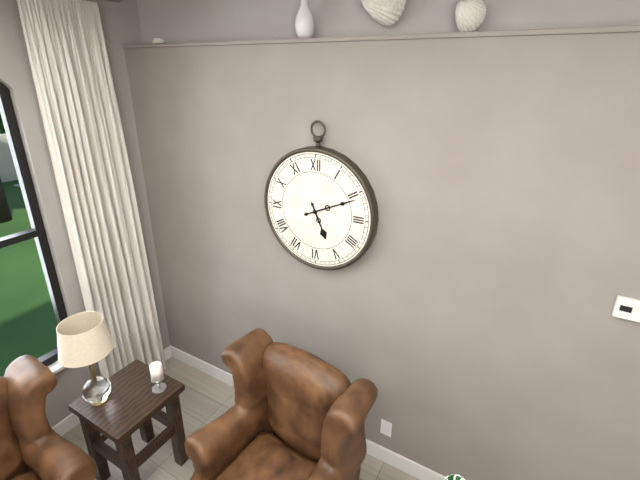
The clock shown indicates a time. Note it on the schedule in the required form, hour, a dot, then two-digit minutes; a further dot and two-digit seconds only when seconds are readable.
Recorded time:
5.11
